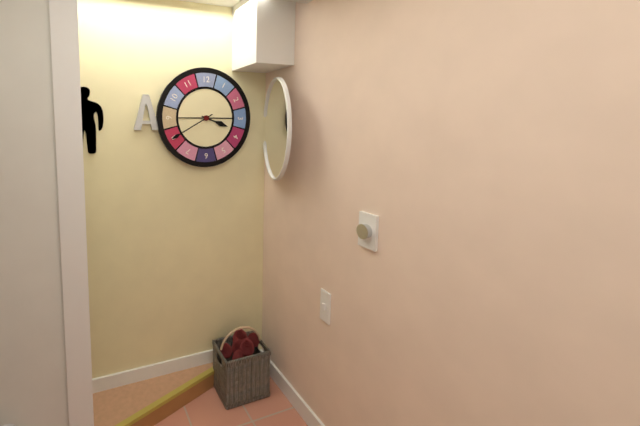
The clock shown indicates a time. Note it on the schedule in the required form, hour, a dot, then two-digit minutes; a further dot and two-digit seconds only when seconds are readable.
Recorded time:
3.40
